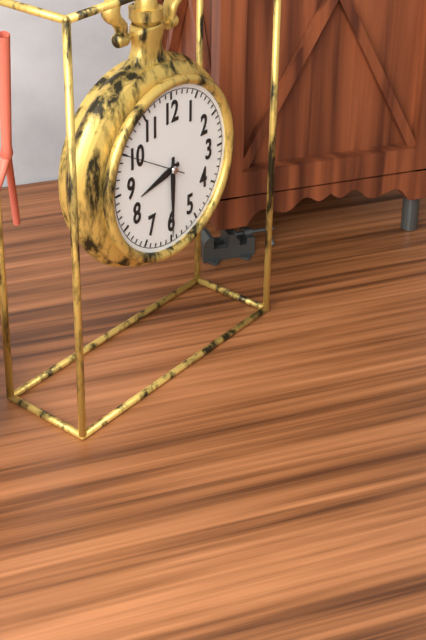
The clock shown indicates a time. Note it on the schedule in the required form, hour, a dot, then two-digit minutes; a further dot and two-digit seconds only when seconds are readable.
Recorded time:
8.30.50
